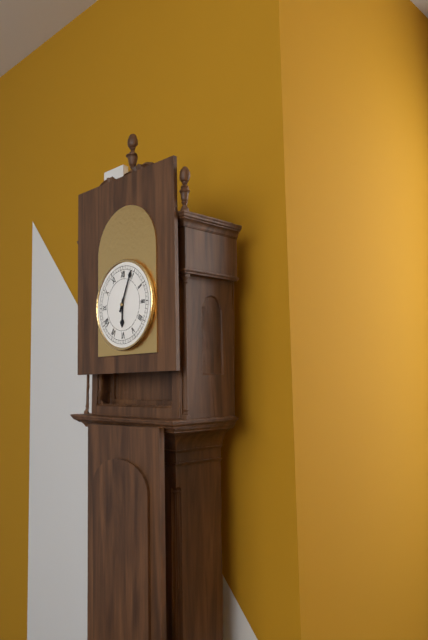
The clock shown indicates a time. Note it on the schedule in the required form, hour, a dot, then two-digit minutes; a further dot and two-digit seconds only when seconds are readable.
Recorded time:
6.04
